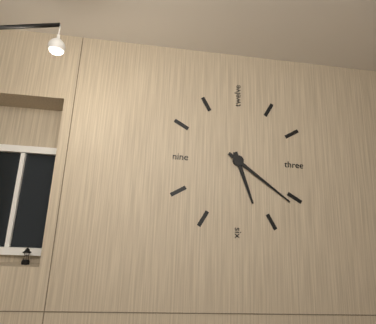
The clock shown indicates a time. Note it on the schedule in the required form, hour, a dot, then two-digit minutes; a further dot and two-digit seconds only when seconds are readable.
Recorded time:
5.21
